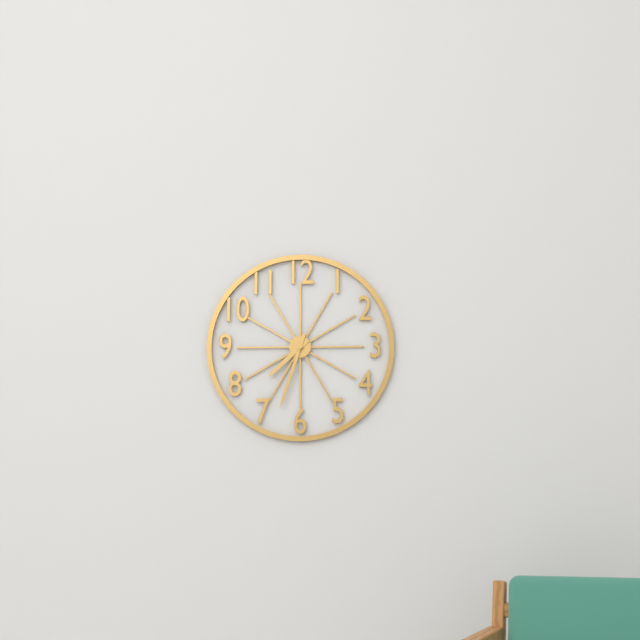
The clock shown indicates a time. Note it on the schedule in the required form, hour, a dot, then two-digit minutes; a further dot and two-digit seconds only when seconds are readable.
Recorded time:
7.33
